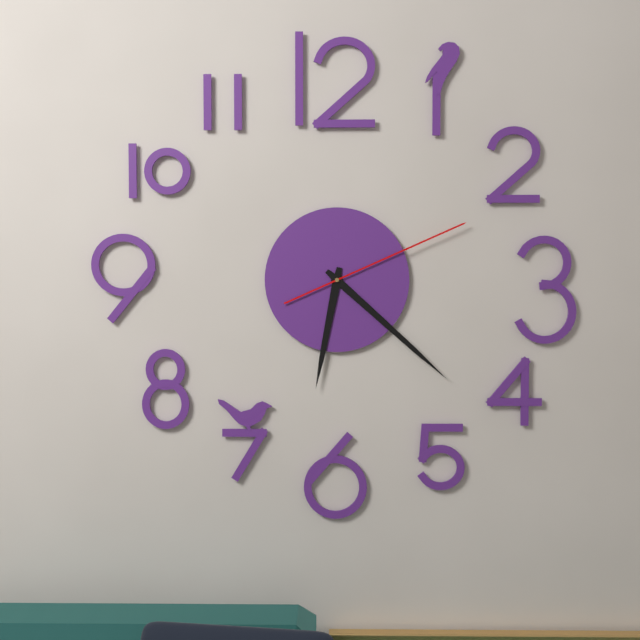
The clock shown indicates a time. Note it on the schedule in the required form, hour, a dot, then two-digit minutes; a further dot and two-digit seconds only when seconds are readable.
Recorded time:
6.22.11
